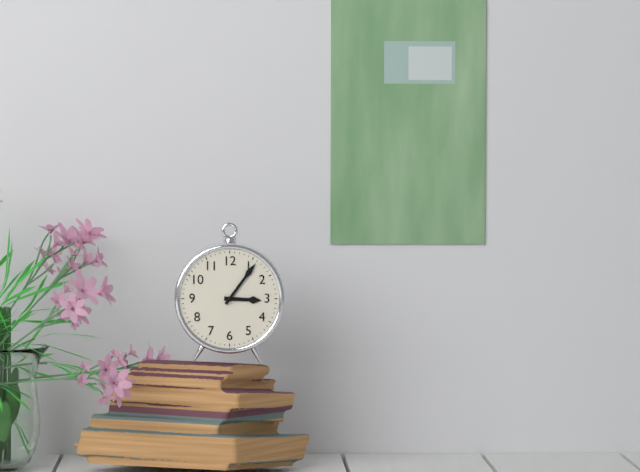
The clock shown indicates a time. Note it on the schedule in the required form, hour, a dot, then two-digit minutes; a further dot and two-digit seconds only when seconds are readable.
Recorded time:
3.06
